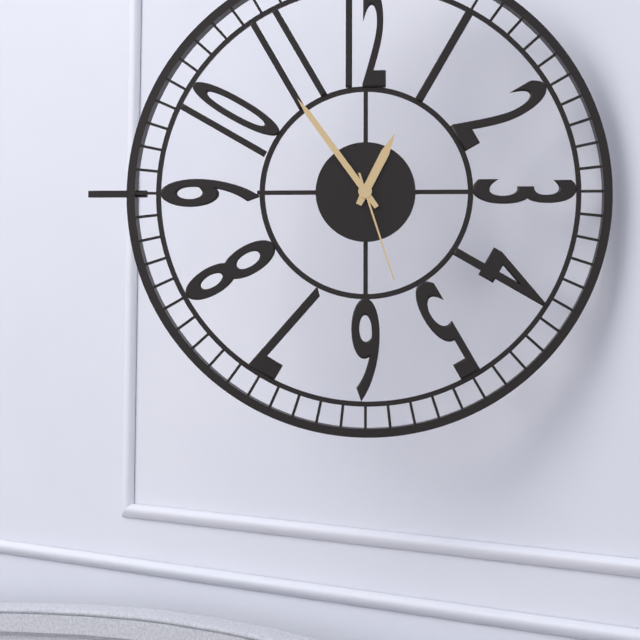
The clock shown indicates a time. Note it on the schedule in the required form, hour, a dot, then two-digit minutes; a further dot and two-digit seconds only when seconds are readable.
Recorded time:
12.54.27
